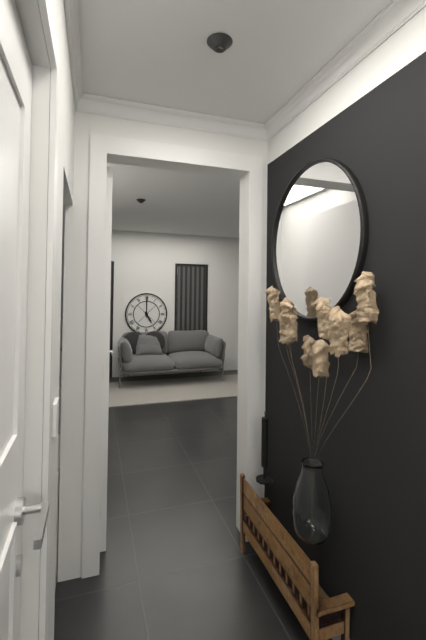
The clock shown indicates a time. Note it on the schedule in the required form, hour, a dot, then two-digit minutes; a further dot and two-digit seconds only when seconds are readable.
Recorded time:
5.00
